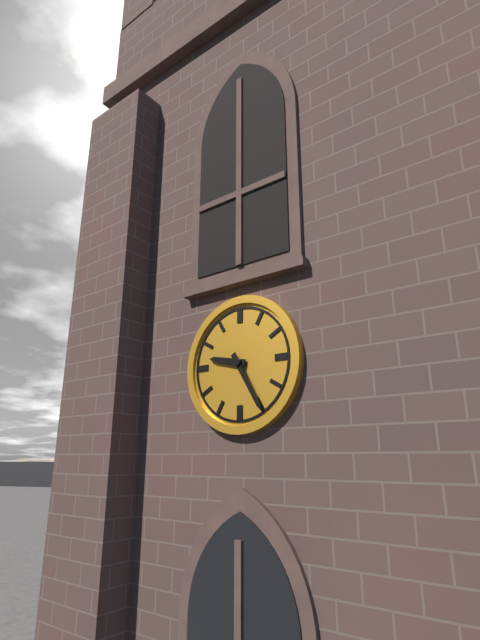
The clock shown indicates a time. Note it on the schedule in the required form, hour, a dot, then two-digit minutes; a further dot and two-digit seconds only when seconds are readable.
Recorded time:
9.25
